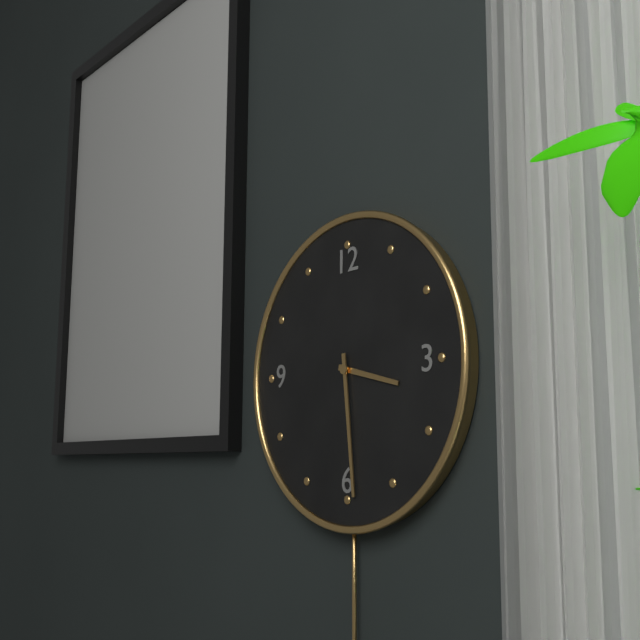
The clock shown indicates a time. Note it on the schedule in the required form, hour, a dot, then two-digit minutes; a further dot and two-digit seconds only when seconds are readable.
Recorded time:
3.29
